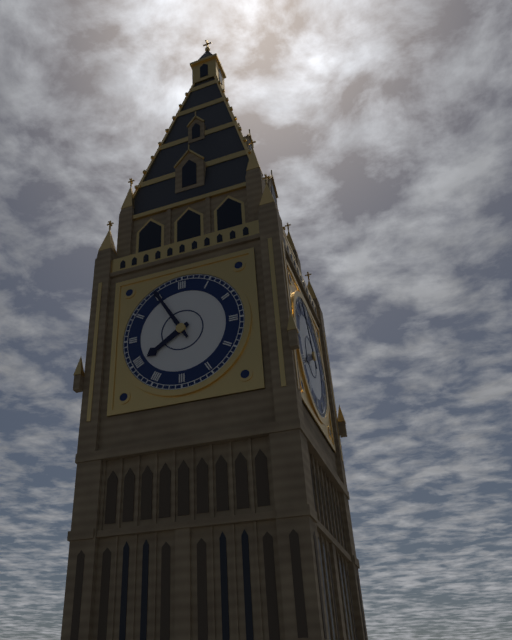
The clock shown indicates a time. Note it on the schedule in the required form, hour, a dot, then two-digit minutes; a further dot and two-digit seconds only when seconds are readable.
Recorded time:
7.55
